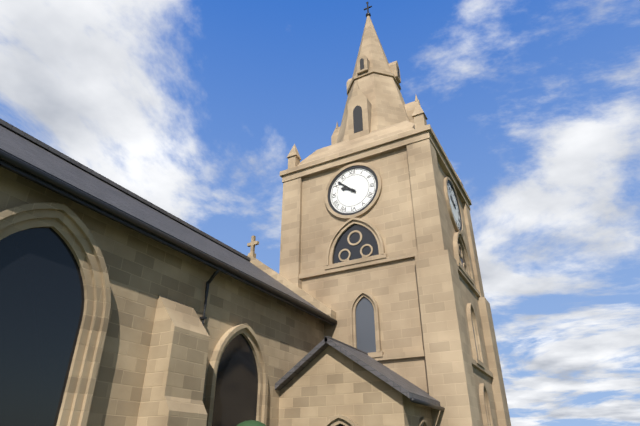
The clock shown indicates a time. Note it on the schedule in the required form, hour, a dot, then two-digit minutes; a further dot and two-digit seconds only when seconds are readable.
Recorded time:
9.52
